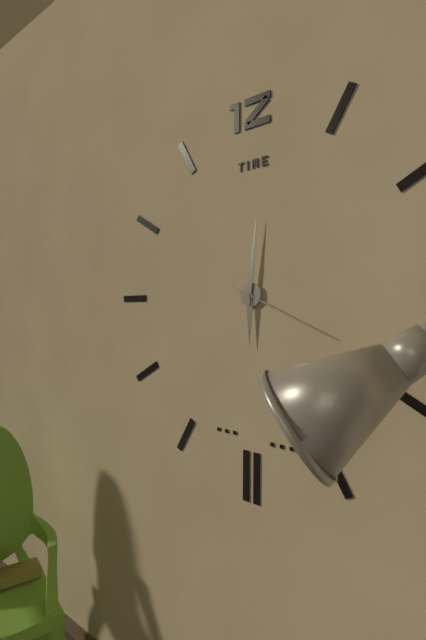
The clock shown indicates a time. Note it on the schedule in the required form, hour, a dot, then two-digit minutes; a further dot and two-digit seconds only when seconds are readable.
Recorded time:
6.01.19
